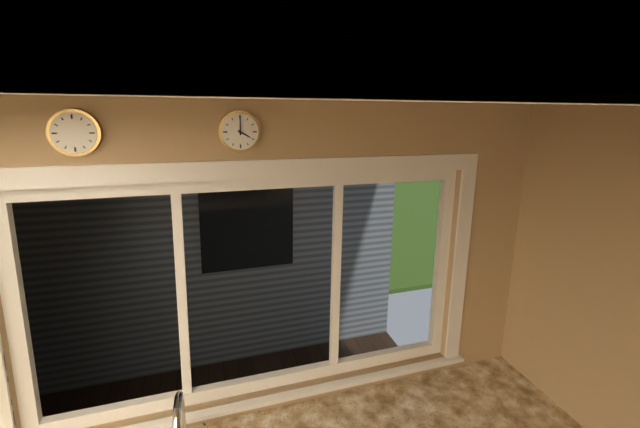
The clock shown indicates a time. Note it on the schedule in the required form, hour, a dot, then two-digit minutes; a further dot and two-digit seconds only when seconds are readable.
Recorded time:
4.00
